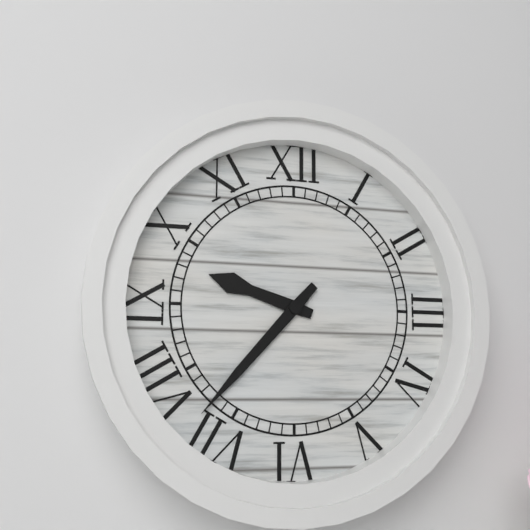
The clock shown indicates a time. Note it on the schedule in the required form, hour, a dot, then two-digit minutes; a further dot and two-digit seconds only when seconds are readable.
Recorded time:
9.37
